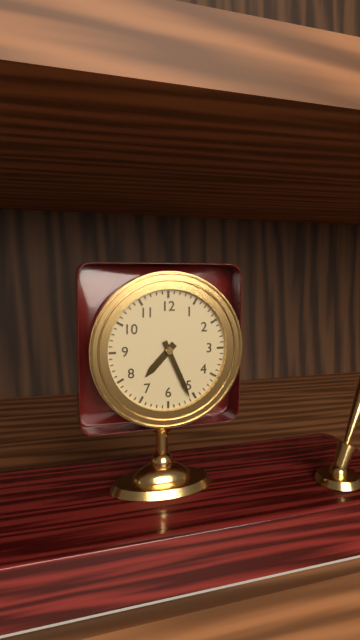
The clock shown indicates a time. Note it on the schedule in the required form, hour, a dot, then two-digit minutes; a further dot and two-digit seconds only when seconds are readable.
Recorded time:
7.26
